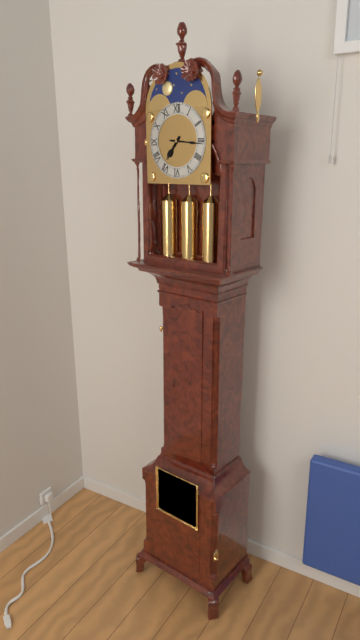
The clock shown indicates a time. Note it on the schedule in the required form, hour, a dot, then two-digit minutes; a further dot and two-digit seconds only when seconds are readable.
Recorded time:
7.16
